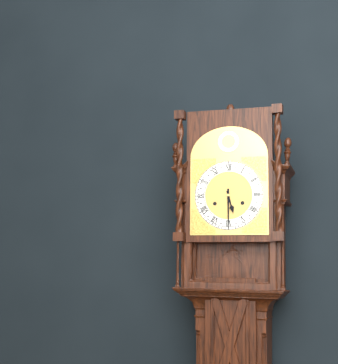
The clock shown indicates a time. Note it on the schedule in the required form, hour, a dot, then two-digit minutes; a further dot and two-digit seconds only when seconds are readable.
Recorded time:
5.30
